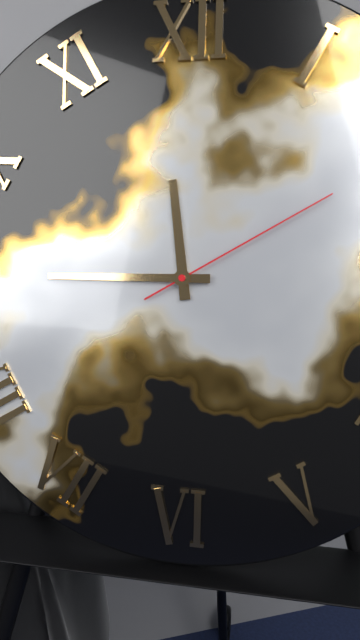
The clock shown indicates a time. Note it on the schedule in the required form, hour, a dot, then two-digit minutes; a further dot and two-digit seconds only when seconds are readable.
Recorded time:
11.45.10
